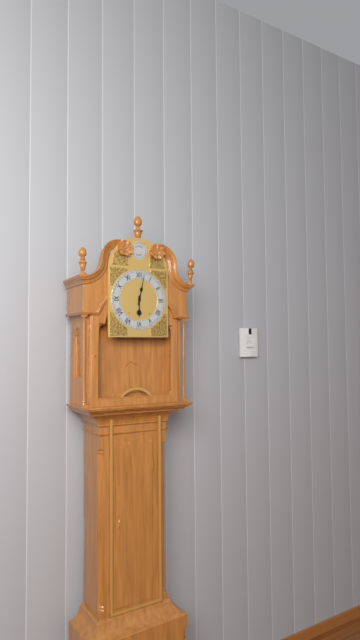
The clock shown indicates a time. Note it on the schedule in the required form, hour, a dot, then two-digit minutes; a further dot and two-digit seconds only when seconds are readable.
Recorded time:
6.02
